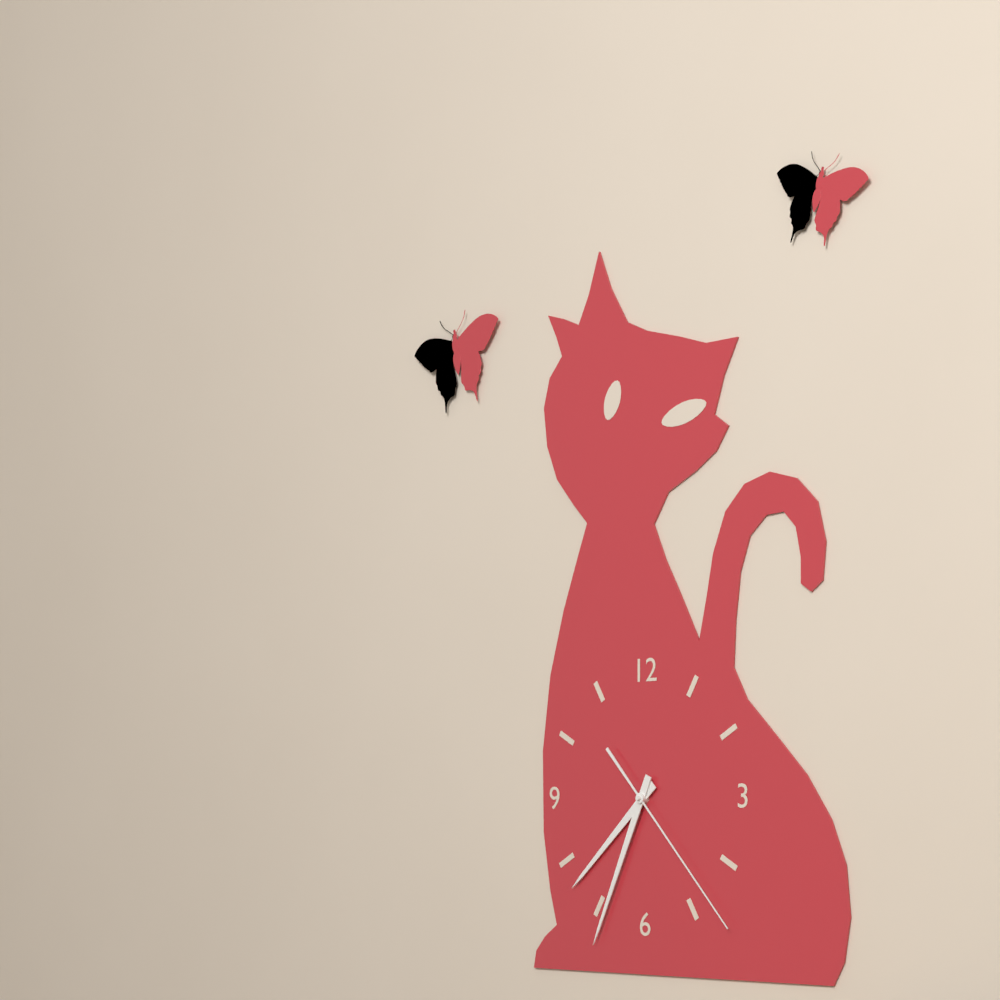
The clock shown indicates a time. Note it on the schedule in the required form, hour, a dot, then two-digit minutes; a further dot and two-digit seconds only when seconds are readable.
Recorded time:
7.34.23
